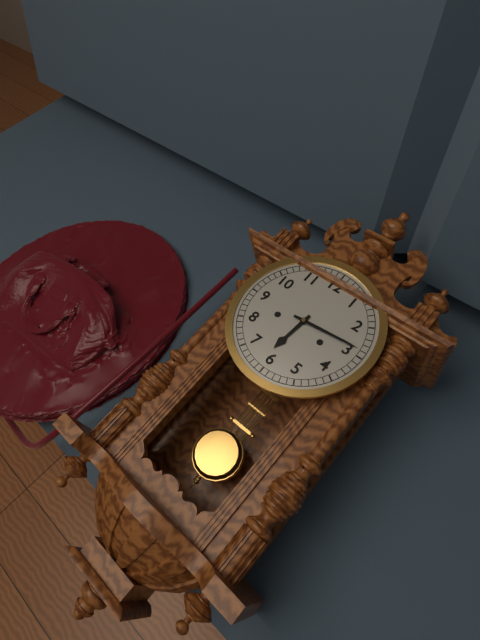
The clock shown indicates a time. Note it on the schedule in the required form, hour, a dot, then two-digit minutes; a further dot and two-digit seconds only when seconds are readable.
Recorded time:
6.14
